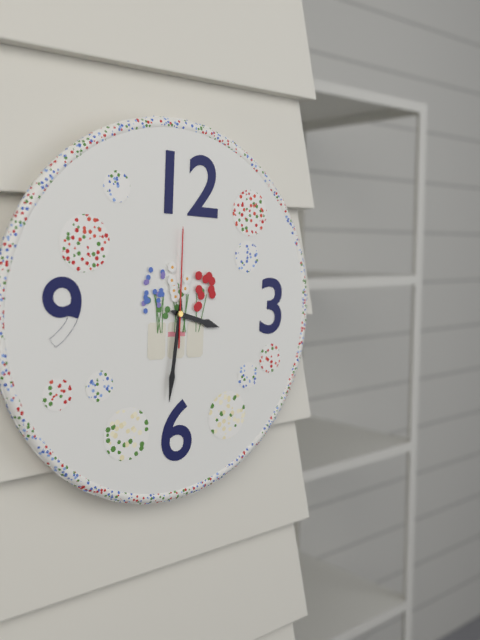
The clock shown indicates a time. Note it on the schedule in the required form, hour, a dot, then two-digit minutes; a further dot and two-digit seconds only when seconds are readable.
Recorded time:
3.31.00
